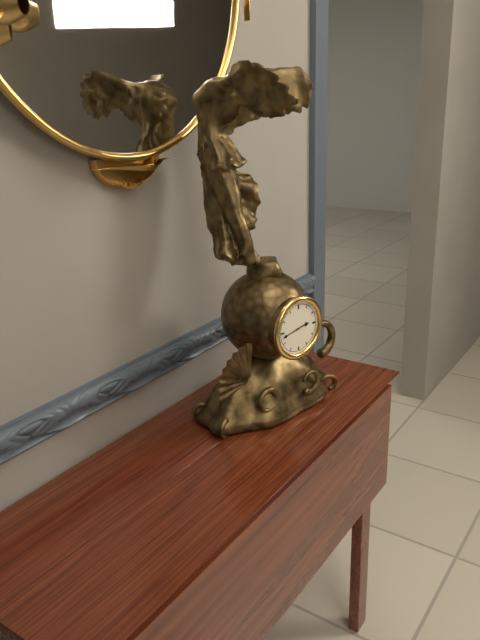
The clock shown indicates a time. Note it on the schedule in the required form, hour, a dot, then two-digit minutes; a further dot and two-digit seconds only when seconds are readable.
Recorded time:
2.43
